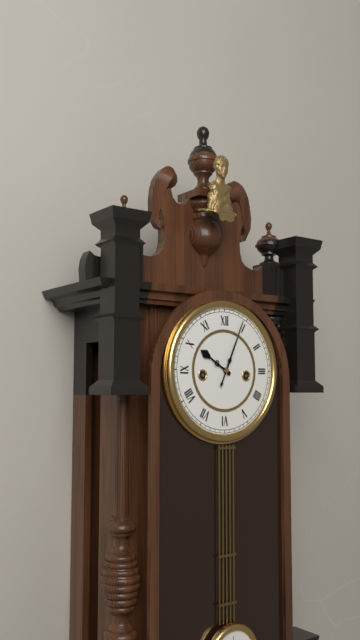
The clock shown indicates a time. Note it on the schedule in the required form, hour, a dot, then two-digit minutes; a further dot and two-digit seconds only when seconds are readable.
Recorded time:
10.04
